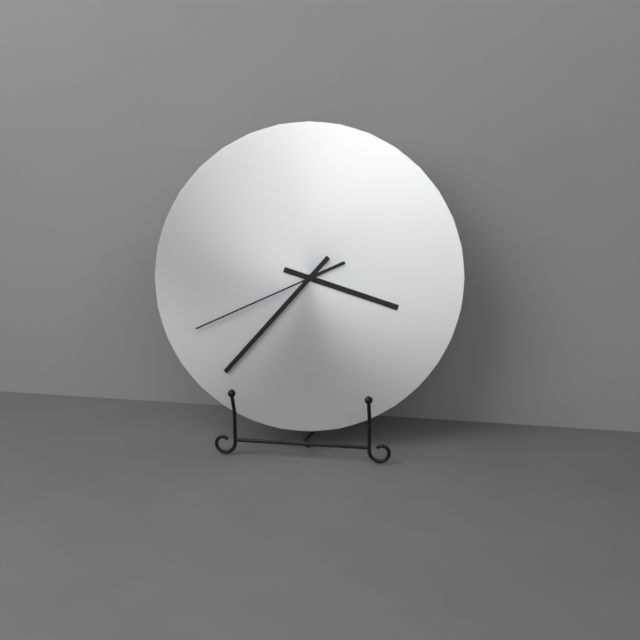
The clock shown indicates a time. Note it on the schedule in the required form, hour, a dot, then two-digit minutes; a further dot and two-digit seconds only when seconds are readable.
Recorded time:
3.37.41
